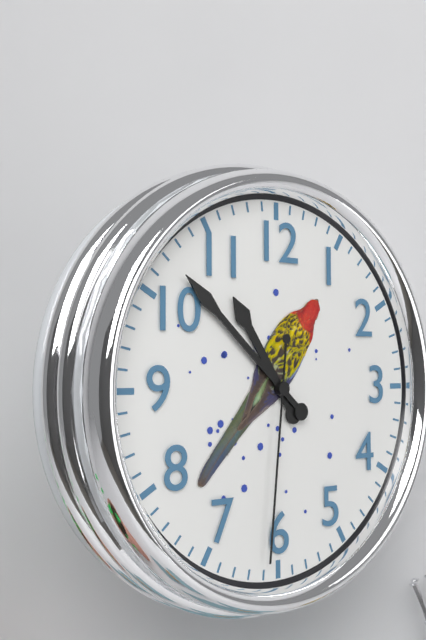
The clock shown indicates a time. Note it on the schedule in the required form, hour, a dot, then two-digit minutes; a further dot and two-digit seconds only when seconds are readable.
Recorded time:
10.52.31
